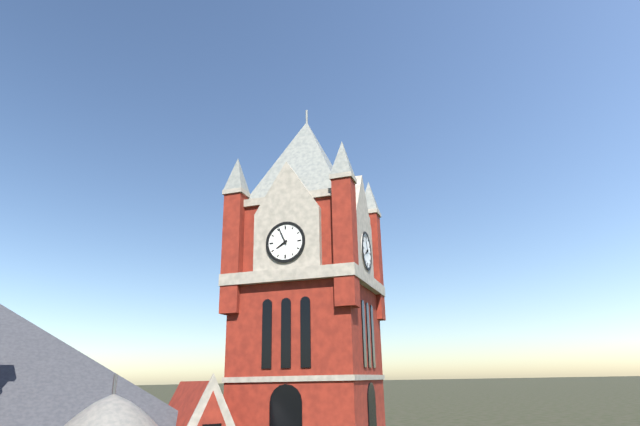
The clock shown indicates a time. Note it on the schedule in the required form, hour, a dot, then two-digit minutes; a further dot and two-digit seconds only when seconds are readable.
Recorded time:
7.56
